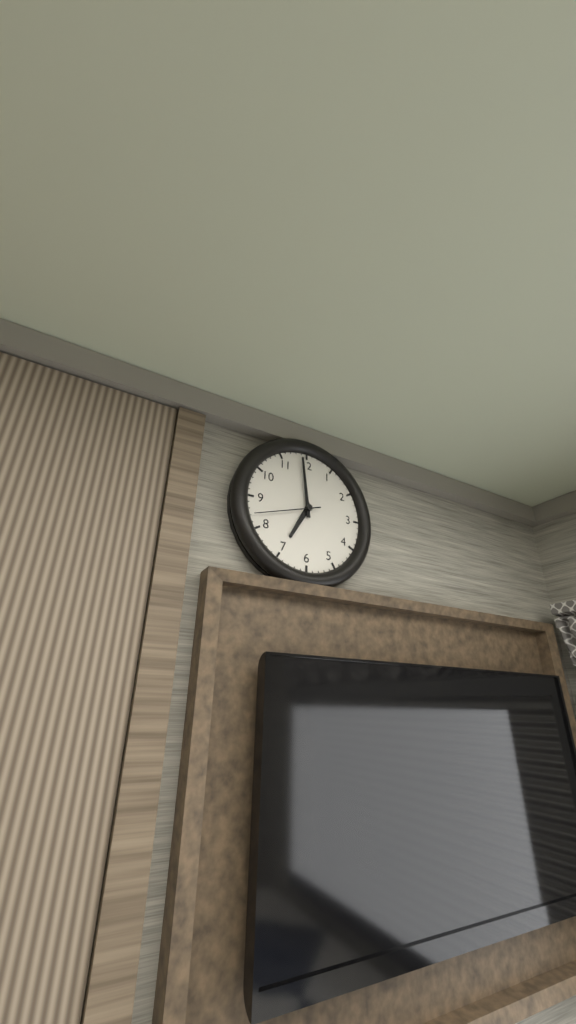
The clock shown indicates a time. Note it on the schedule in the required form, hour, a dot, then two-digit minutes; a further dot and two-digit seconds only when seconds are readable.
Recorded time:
6.59.42
